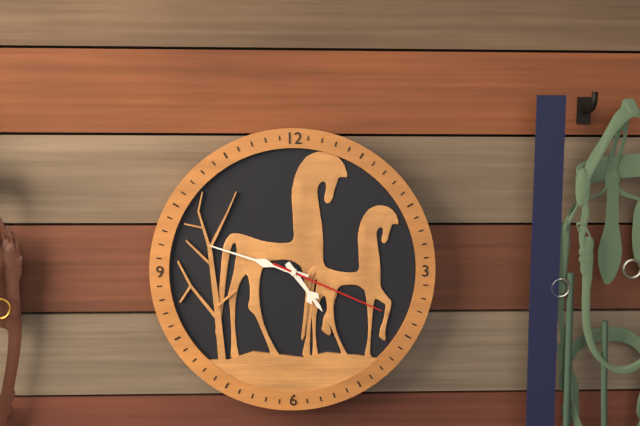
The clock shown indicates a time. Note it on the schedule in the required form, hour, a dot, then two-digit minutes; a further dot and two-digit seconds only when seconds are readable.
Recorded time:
4.48.19
